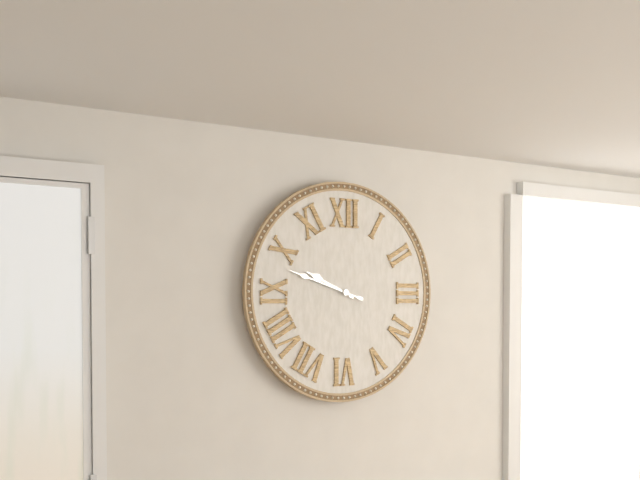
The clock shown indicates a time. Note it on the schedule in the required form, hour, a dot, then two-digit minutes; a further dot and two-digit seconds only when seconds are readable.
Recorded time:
9.48
